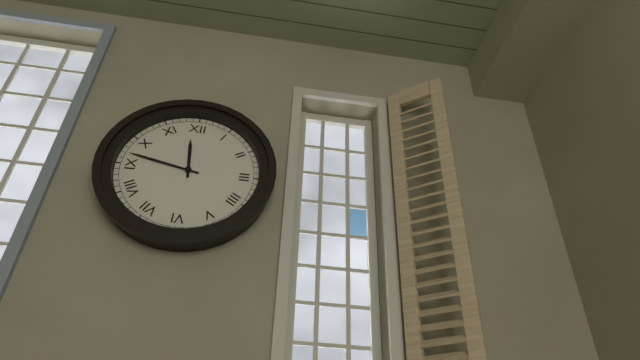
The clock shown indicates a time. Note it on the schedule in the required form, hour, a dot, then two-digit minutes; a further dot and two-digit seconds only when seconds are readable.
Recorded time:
11.47
